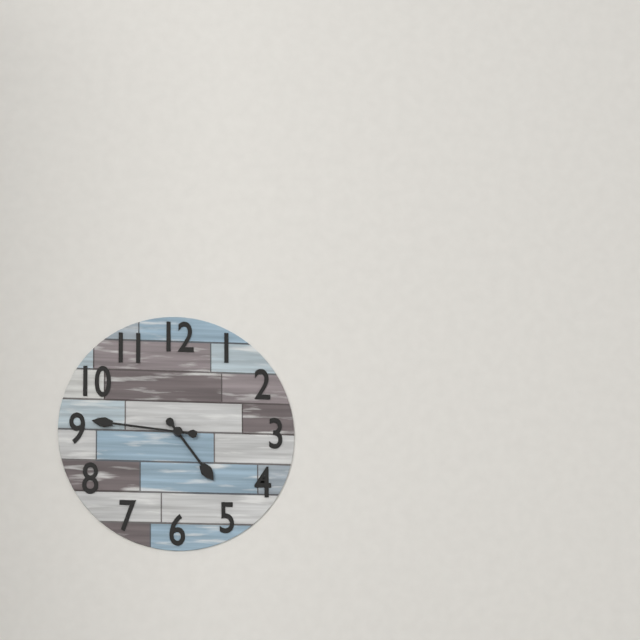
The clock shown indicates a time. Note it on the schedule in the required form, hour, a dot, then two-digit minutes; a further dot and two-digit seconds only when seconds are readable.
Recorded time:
4.46
